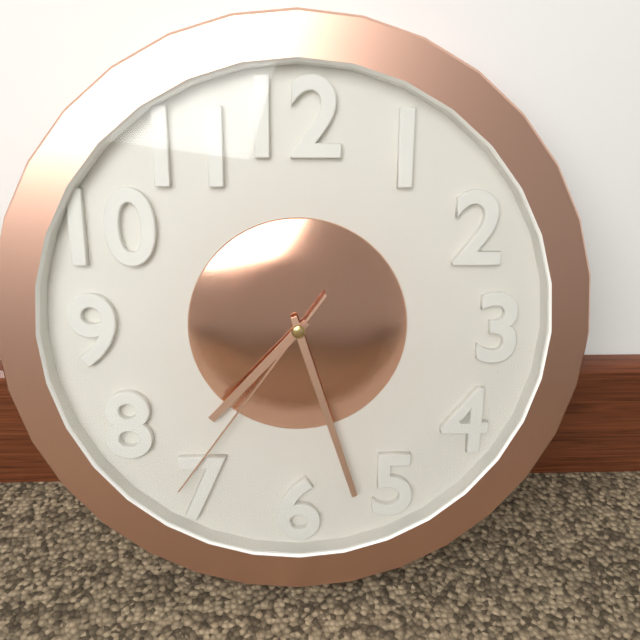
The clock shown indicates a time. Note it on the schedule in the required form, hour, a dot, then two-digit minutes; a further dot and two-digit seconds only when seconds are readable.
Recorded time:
7.27.36
